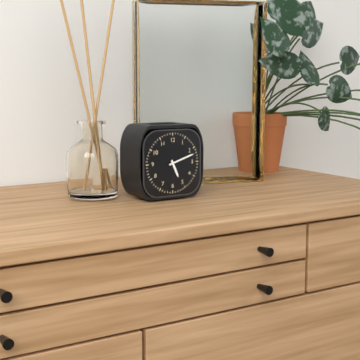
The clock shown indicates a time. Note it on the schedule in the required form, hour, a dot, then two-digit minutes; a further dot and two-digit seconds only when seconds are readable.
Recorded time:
5.12
